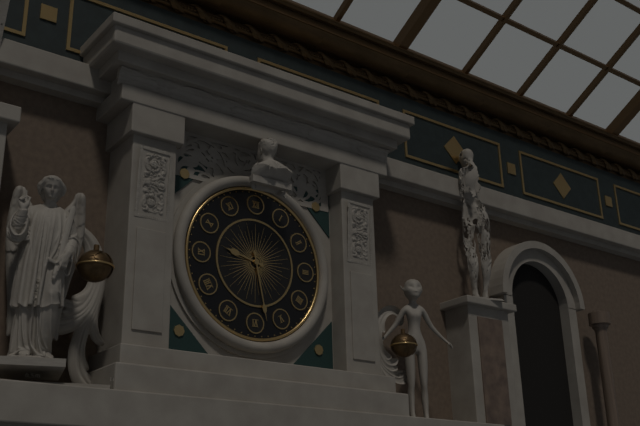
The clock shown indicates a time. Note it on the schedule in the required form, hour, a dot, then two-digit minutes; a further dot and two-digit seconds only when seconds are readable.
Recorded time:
9.28
